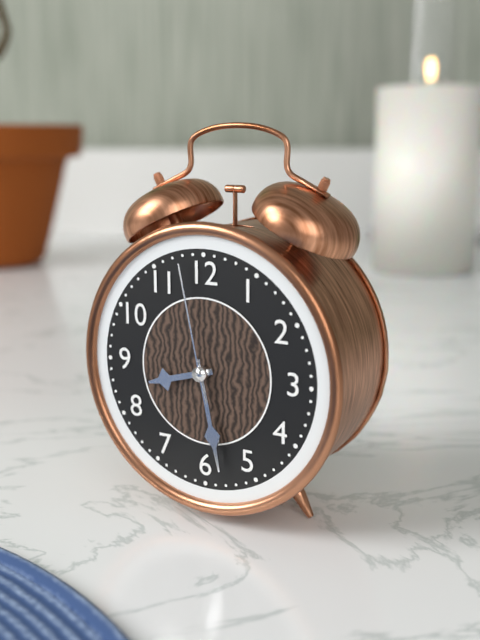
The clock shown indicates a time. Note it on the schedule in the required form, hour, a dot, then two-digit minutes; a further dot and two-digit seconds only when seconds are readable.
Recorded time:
8.28.58
